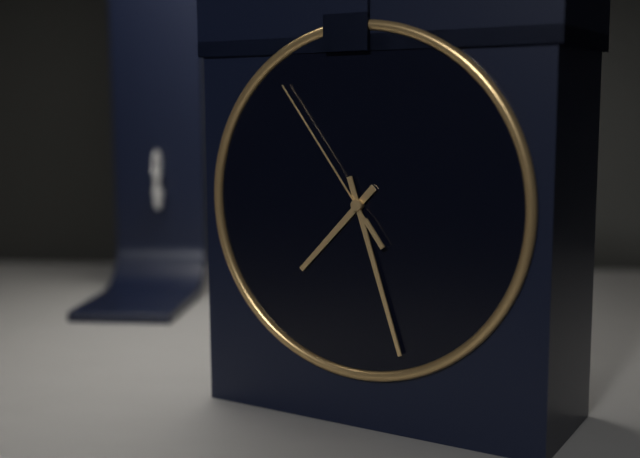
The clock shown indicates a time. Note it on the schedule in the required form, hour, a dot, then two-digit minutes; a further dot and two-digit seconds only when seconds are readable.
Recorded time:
7.27.54
